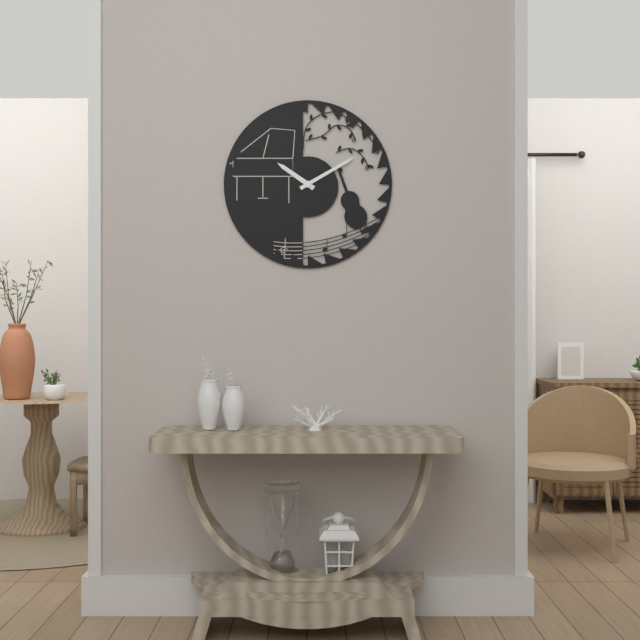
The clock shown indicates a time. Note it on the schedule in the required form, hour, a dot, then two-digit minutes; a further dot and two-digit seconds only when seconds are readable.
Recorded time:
10.10
